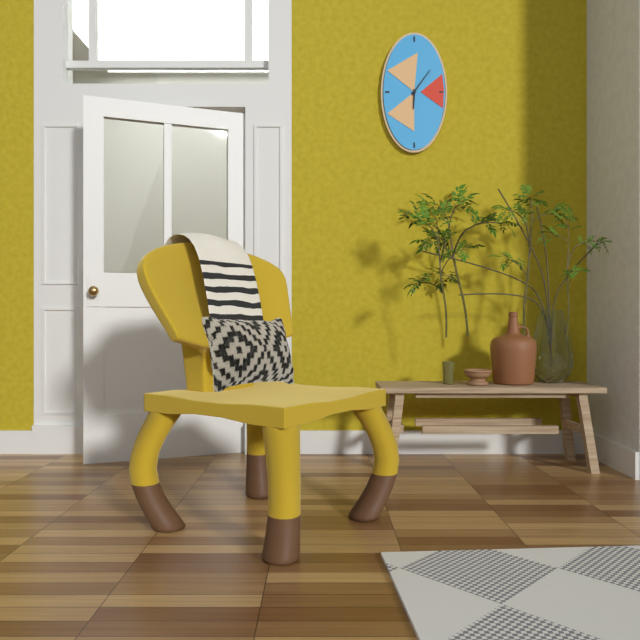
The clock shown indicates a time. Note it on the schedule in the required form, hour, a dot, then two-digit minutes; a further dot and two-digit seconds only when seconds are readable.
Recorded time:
6.06
